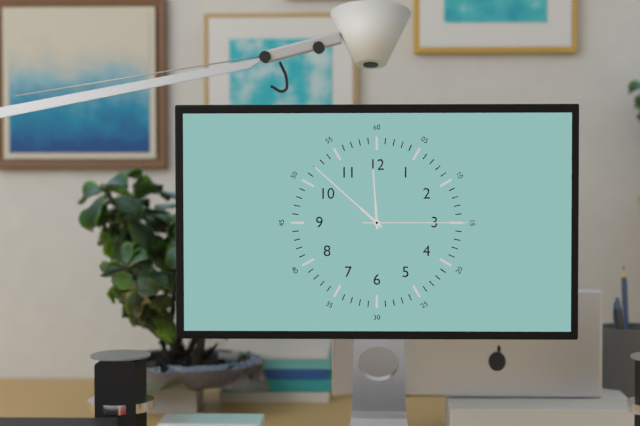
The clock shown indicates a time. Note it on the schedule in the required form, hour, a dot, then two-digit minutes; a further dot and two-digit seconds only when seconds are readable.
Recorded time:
11.52.15
